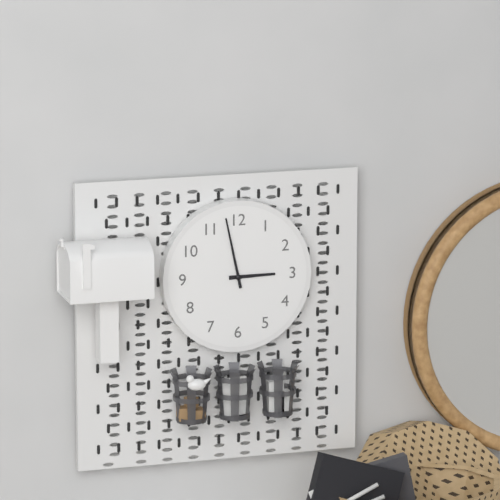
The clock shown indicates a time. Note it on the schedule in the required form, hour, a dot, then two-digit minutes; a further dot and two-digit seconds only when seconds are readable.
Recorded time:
2.58
